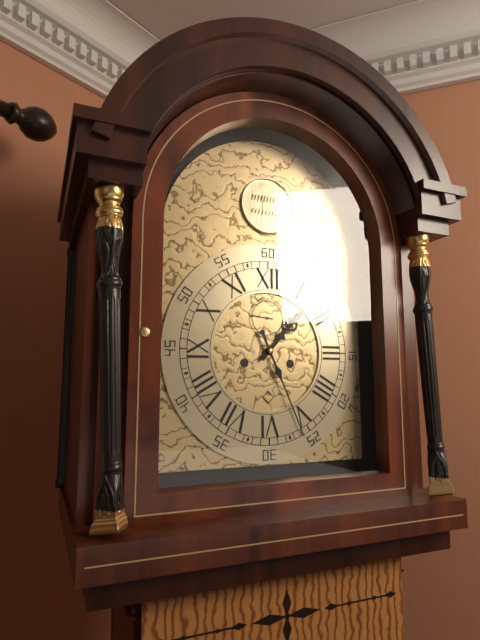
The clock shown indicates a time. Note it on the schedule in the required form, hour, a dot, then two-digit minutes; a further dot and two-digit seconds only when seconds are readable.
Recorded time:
1.26
